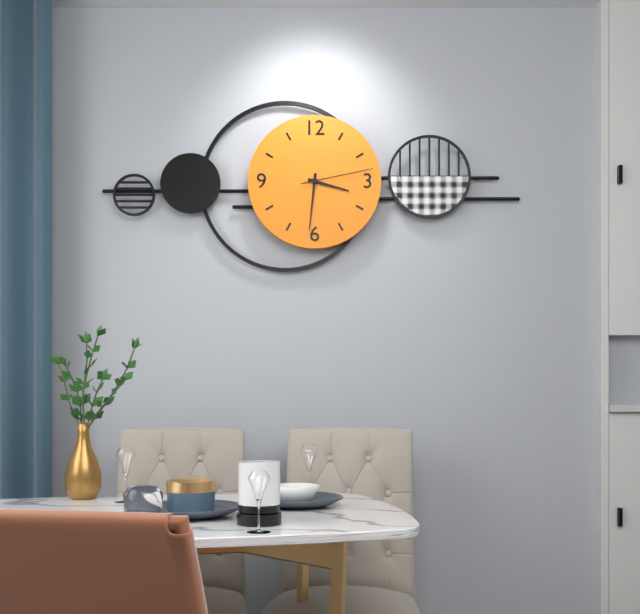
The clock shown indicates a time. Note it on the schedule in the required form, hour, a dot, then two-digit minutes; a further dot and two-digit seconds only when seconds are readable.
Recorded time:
3.31.13
